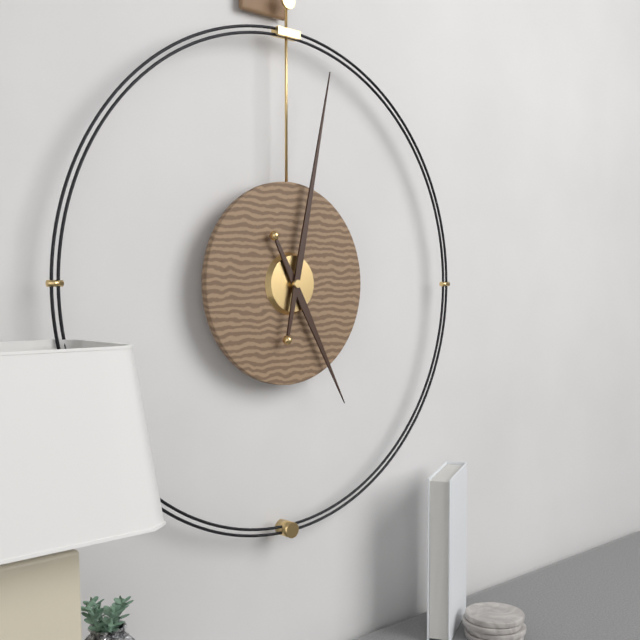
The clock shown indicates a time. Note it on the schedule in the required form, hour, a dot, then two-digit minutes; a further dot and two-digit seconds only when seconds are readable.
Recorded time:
5.02
